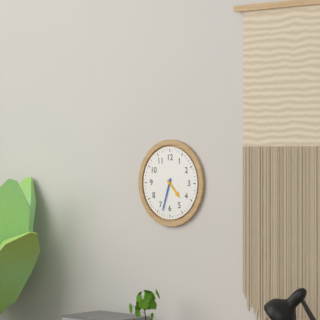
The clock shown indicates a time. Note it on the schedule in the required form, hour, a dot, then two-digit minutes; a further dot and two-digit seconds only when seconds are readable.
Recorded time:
4.33
